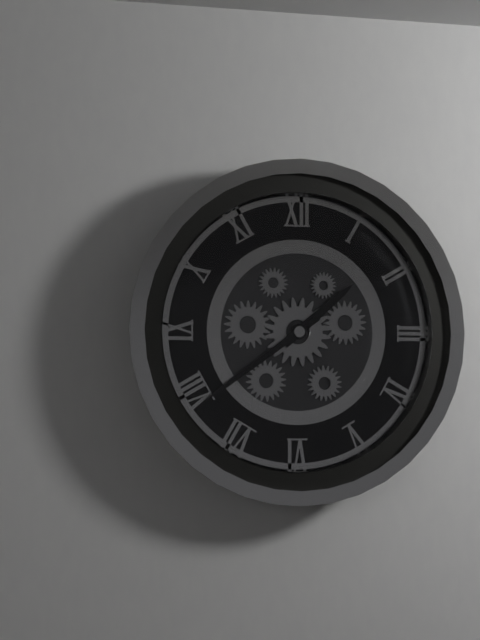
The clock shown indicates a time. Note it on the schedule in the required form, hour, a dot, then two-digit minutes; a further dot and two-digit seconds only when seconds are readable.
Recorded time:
1.39
